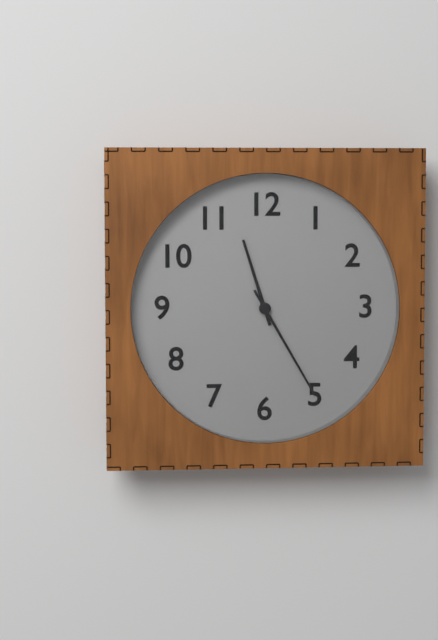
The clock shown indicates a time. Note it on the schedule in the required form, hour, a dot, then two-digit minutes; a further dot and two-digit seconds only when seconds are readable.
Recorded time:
11.25
